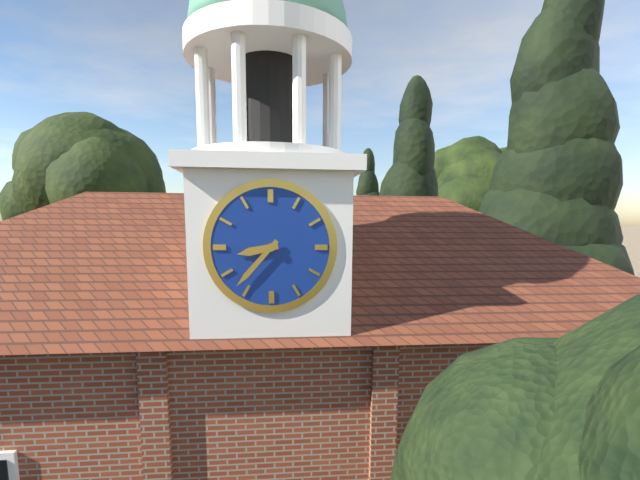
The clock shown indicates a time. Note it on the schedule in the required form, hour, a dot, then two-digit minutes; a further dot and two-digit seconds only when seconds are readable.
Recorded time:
8.37
